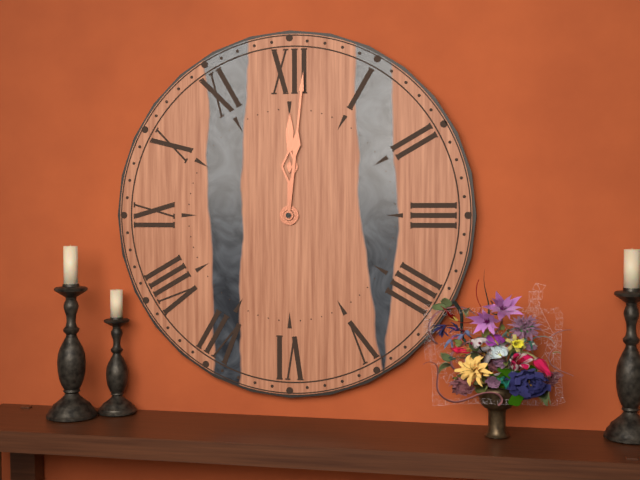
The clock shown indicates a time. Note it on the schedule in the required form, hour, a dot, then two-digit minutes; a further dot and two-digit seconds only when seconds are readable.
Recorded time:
12.01
